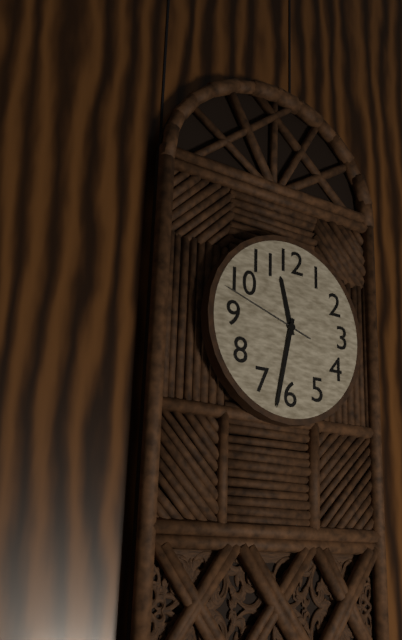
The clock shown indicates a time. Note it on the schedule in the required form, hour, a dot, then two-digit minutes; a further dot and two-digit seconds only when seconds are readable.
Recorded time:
11.32.48
